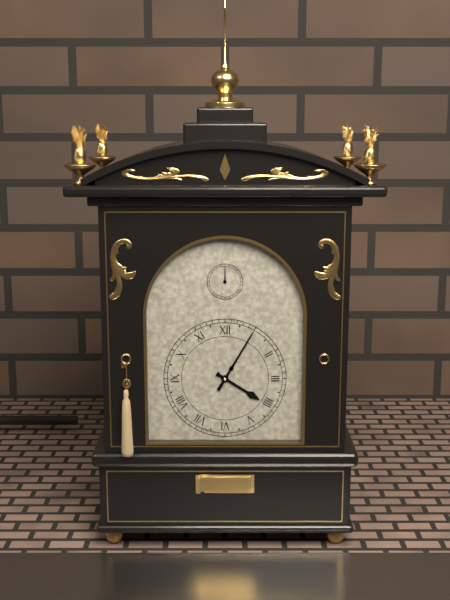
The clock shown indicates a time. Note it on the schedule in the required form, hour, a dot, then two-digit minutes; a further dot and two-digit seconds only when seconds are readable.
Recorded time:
4.05
